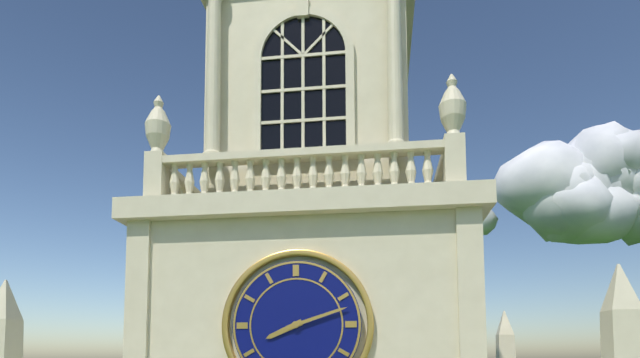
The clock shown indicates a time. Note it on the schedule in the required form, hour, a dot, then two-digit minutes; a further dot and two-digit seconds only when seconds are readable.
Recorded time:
8.12
